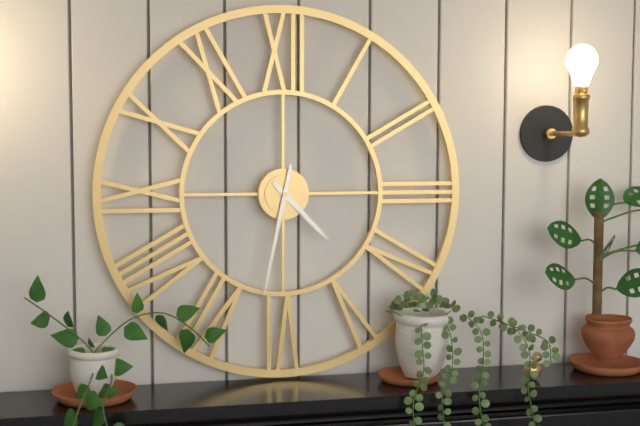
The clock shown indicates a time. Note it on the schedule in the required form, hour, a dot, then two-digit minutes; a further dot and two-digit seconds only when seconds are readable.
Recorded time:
4.32
